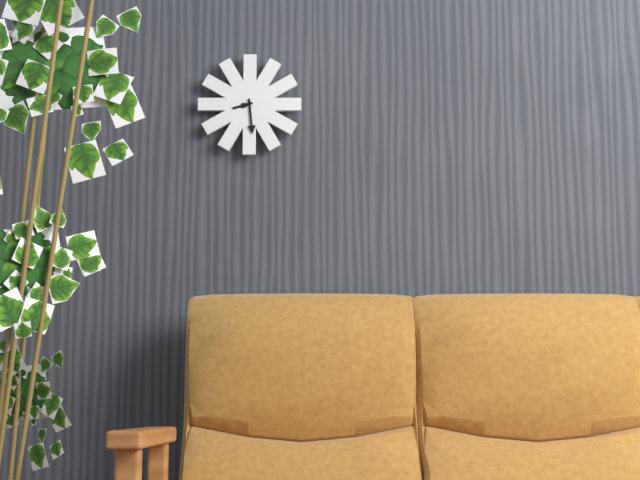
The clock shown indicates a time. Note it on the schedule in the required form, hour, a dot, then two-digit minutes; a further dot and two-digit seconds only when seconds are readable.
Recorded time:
8.29
